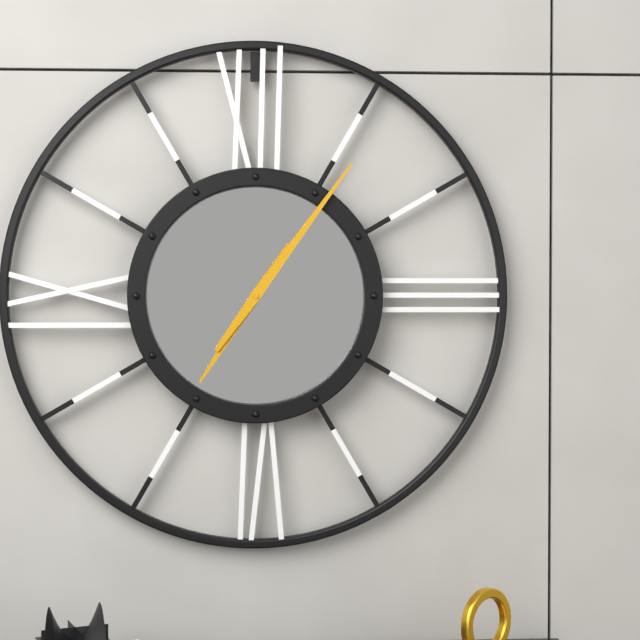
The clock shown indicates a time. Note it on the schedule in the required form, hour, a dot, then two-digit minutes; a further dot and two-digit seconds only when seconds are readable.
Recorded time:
7.06
